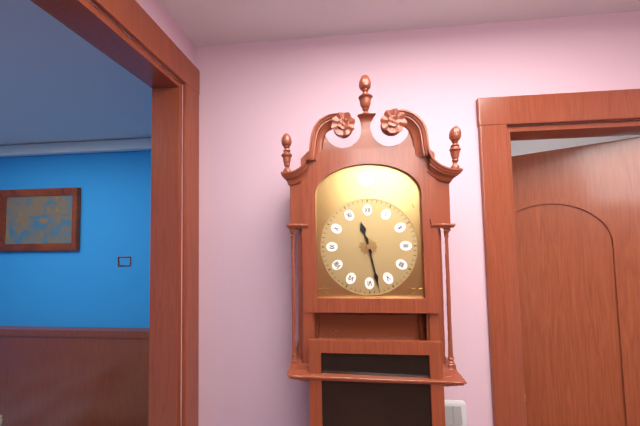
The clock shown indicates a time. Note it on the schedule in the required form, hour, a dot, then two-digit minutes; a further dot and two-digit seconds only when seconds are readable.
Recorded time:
11.28
